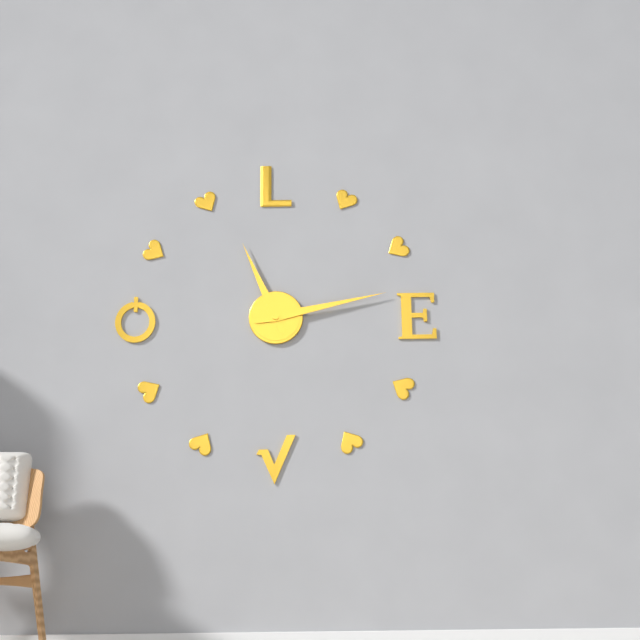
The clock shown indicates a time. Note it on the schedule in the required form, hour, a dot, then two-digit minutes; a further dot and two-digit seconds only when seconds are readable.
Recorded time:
11.13
